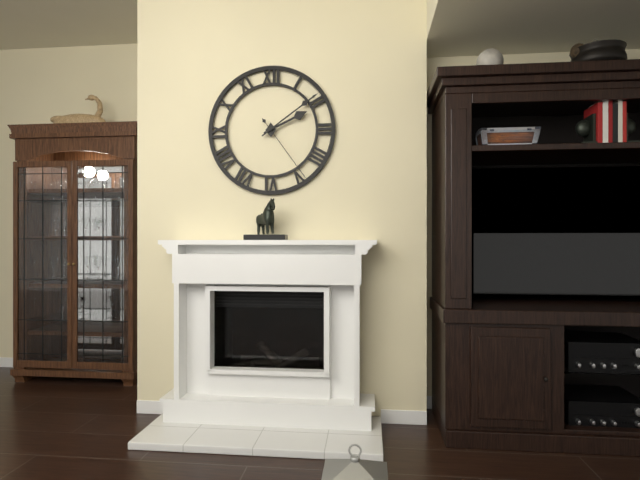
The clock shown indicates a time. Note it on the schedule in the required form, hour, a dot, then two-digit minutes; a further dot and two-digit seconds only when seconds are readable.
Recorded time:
2.09.24
